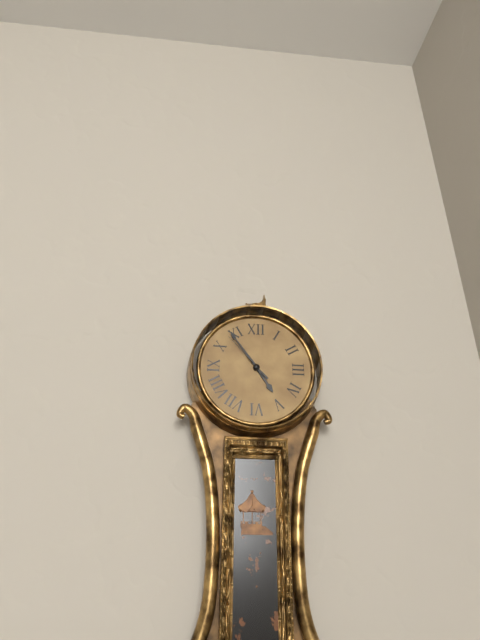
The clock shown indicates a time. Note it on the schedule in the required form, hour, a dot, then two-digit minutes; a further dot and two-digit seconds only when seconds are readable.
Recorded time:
4.54.53
